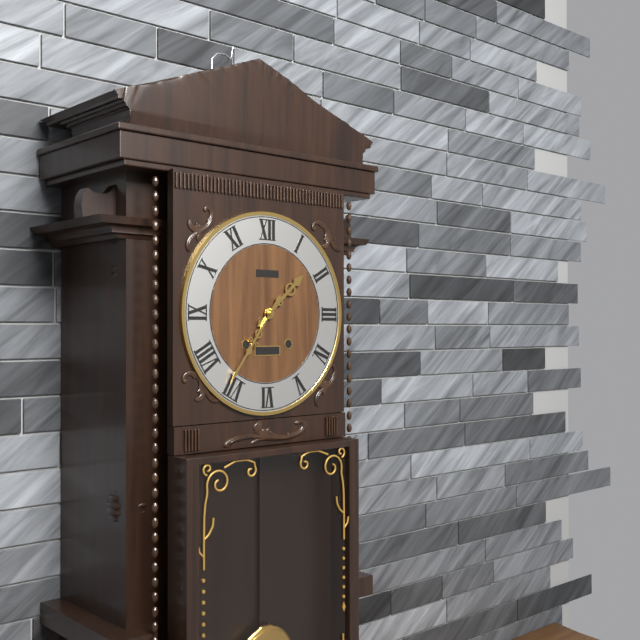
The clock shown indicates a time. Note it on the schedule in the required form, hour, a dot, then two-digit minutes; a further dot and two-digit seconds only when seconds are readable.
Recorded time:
1.36
